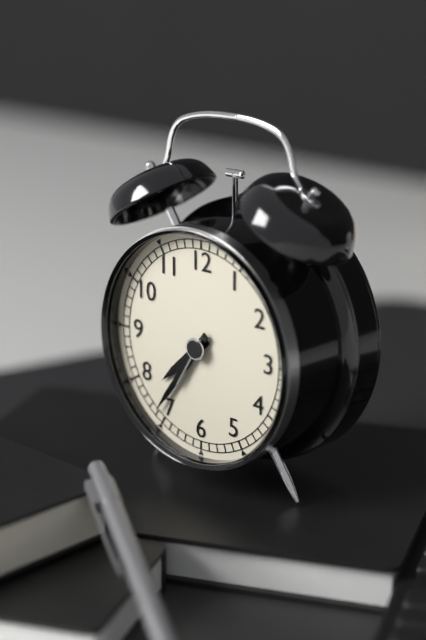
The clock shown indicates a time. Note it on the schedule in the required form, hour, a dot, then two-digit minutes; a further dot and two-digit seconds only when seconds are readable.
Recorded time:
7.36
